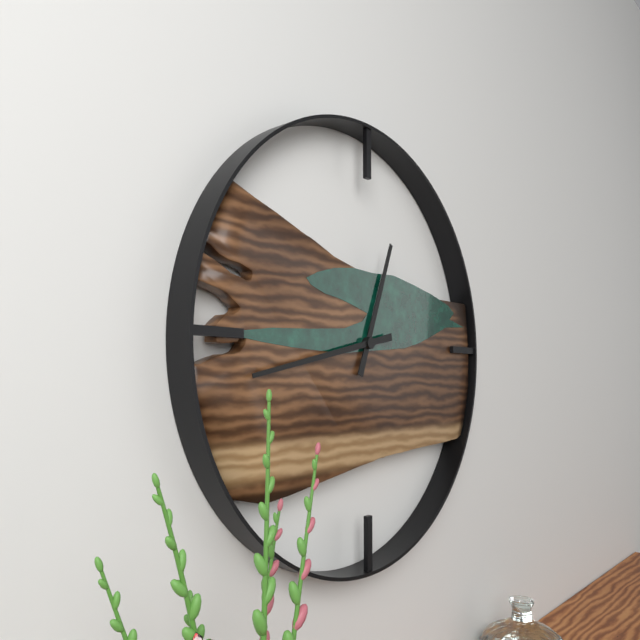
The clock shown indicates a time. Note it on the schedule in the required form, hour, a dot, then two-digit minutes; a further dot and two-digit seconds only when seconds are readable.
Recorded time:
12.43
